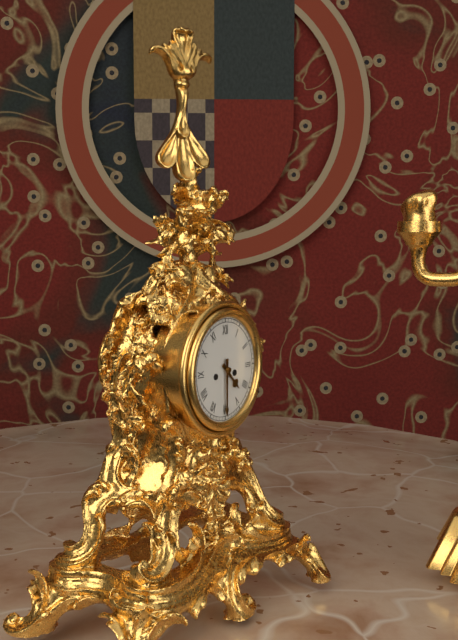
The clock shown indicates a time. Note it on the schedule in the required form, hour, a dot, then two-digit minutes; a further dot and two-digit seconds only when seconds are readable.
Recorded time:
4.30
